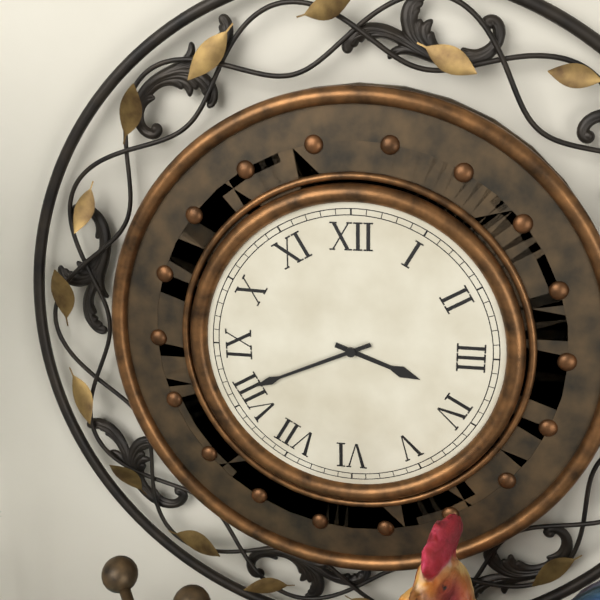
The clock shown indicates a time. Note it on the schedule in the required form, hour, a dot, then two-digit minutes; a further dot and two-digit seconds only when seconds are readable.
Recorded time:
3.41
